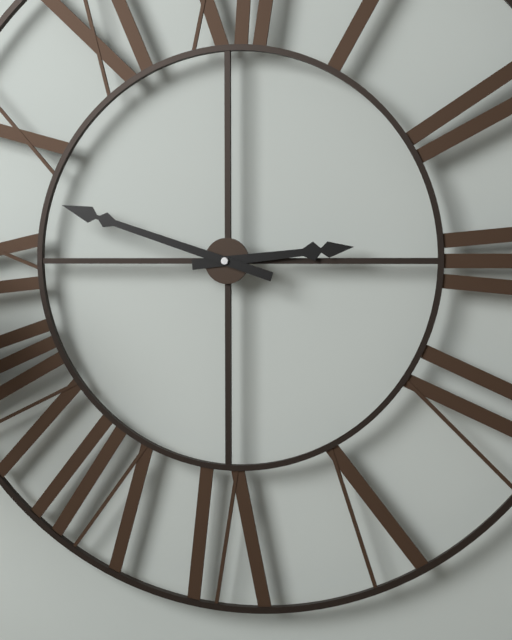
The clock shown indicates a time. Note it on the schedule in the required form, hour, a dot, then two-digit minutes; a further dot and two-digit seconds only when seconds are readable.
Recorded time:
2.48
